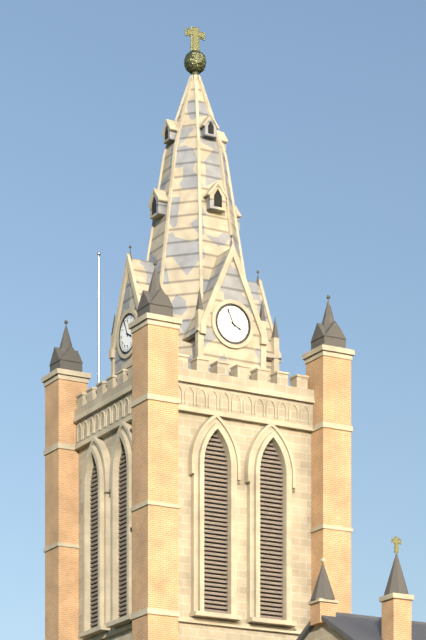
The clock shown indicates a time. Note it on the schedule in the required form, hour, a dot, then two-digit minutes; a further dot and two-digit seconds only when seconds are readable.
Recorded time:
3.56
